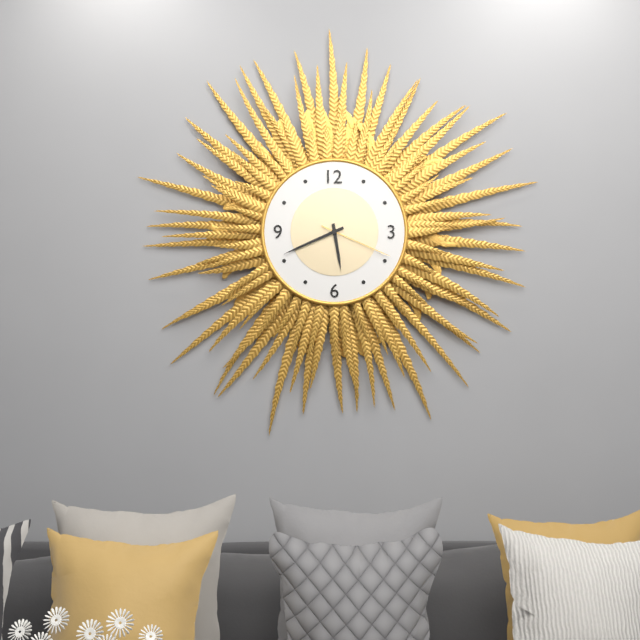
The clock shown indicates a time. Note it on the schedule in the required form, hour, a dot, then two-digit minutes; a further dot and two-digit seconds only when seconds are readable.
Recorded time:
5.41.19
